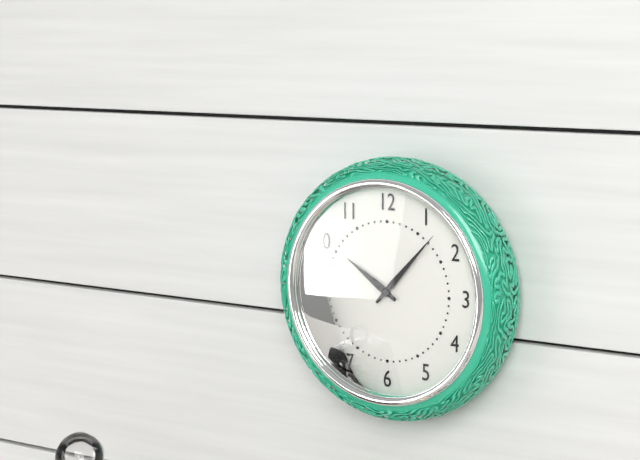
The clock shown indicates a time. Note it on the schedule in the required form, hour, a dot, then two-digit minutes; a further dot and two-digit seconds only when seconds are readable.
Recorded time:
10.07
